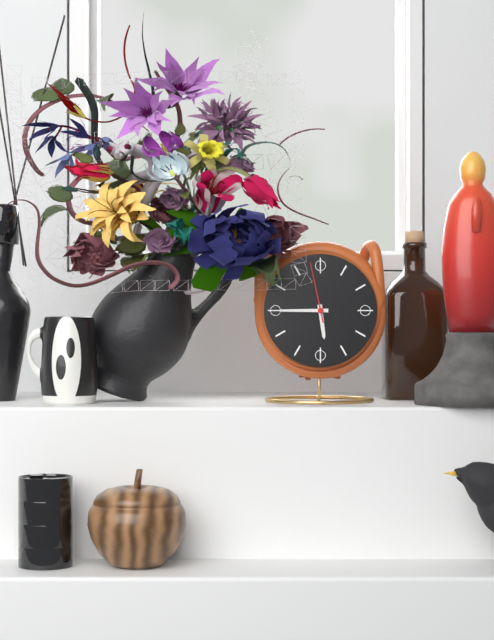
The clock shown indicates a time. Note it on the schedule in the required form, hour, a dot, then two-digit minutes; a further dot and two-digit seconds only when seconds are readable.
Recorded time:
5.45.58
